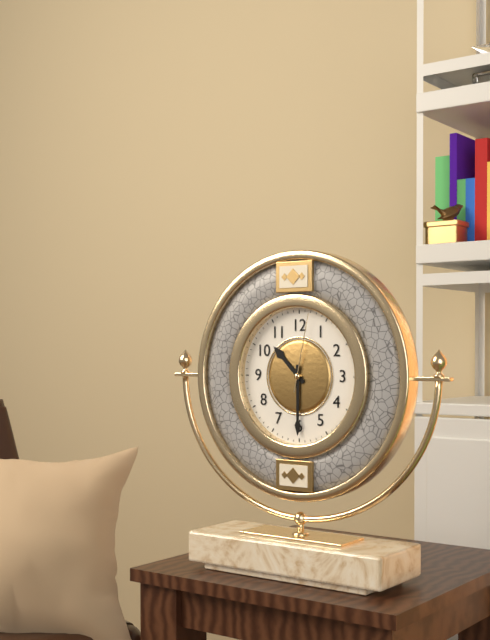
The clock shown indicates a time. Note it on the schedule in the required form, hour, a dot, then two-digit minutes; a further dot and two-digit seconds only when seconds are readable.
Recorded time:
10.30.02
